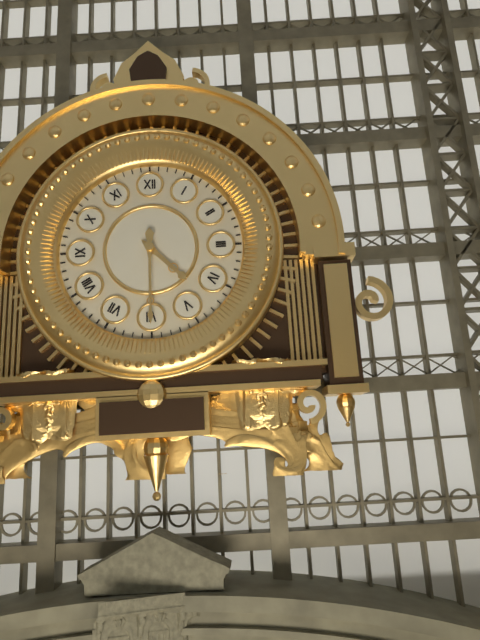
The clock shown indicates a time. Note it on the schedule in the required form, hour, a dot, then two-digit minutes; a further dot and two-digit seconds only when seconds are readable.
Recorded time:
4.30
